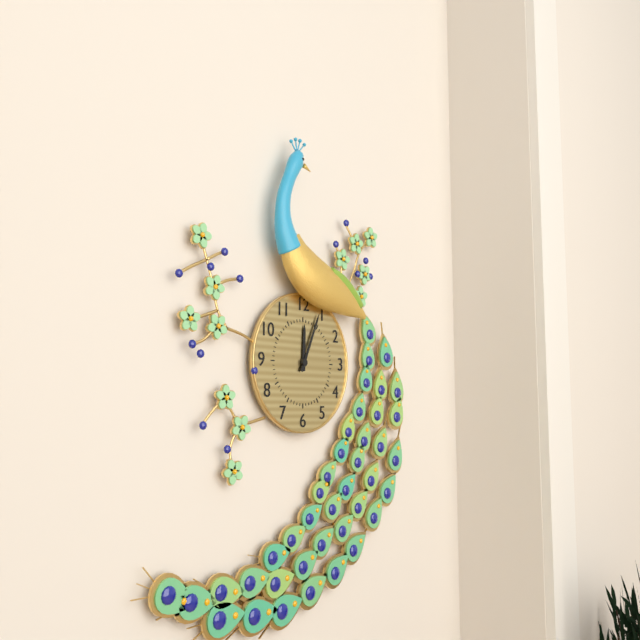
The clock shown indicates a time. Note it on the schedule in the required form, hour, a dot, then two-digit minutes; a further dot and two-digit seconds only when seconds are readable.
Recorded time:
12.04
